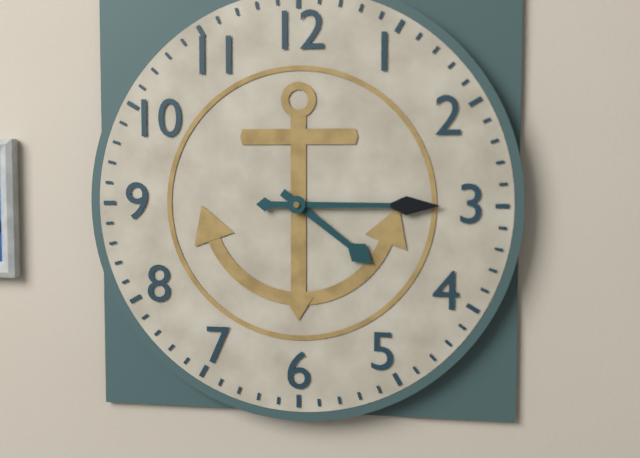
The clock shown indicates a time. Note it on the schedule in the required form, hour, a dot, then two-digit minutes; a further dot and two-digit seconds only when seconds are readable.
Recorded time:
4.15
